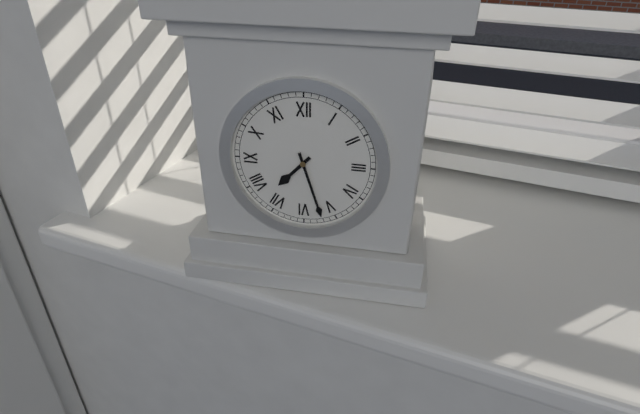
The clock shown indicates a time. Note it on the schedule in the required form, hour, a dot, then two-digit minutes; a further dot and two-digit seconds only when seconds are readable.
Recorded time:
7.27
